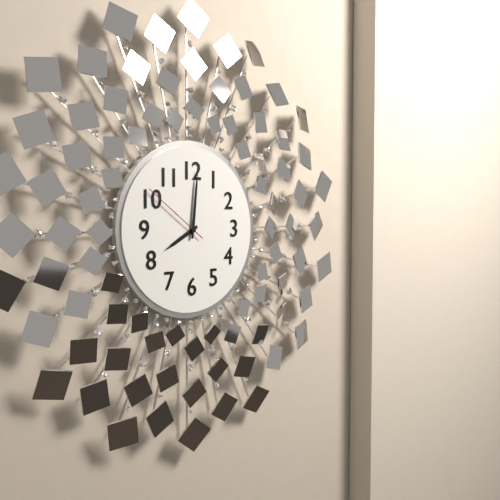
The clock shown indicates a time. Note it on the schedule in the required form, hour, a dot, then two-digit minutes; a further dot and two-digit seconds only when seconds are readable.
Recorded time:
8.01.51
